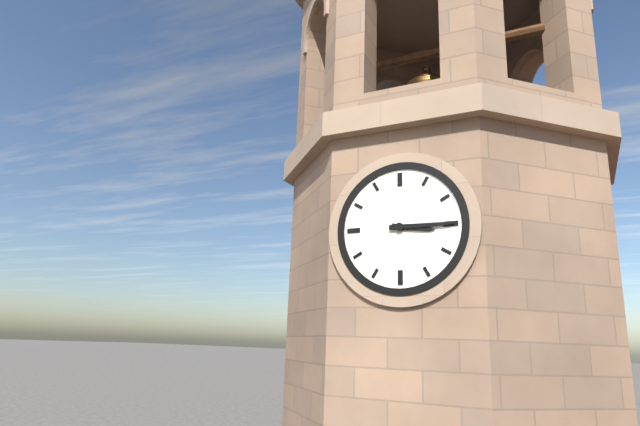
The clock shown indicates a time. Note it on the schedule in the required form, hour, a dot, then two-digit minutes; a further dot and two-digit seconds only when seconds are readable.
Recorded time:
3.15
